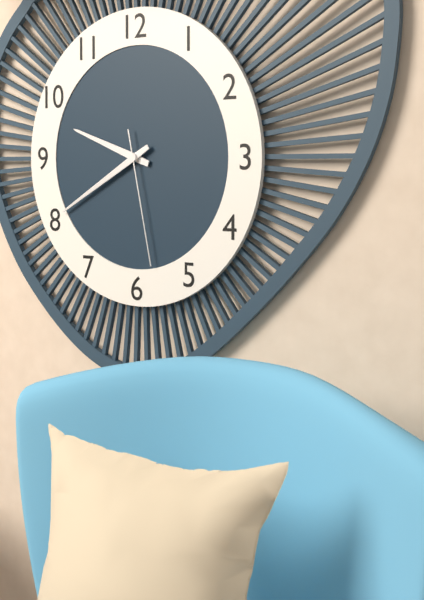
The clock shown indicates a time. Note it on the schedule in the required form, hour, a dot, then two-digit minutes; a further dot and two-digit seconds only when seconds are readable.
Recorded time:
9.40.28
